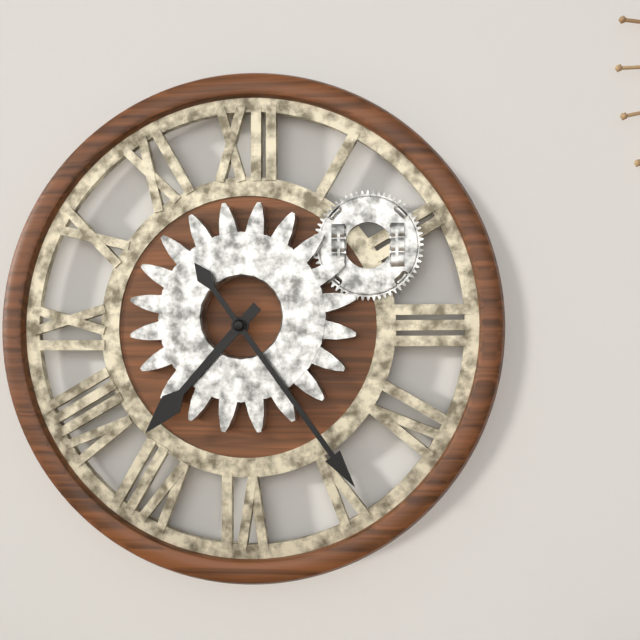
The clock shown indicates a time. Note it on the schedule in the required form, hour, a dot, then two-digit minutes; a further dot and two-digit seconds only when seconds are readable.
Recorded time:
7.24
